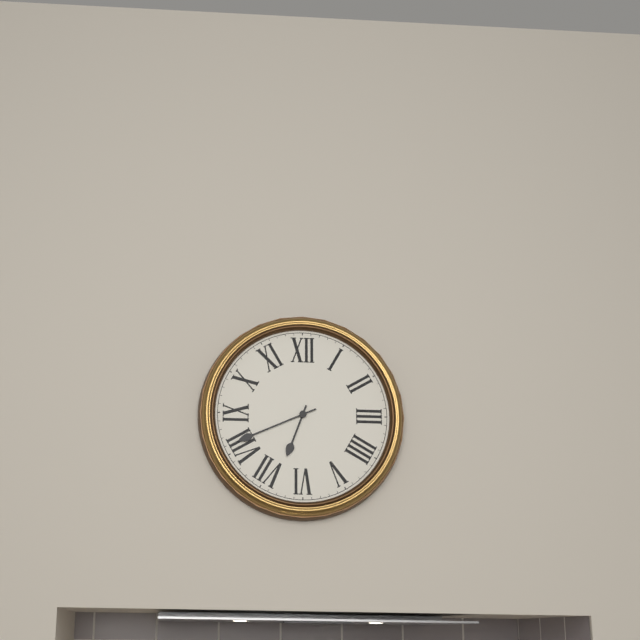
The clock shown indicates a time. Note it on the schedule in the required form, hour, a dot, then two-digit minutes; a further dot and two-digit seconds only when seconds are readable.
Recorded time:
6.41
